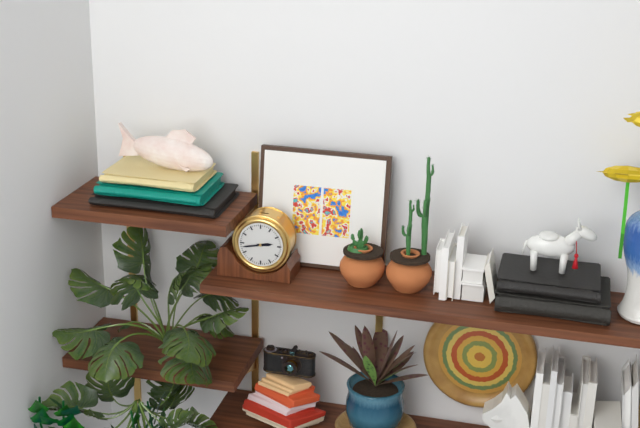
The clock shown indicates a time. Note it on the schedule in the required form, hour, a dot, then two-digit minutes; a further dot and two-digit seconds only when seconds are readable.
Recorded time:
2.43
